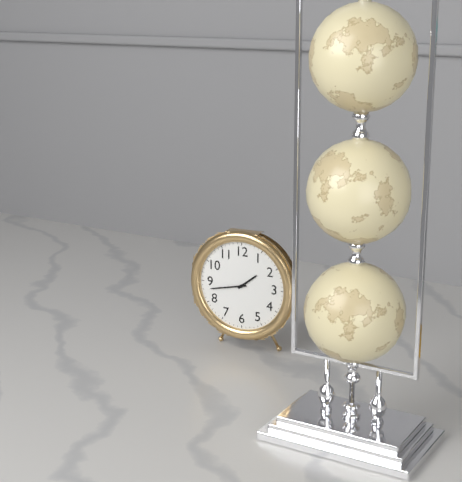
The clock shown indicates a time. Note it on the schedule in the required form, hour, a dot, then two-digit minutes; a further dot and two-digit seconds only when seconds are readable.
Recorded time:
1.43
